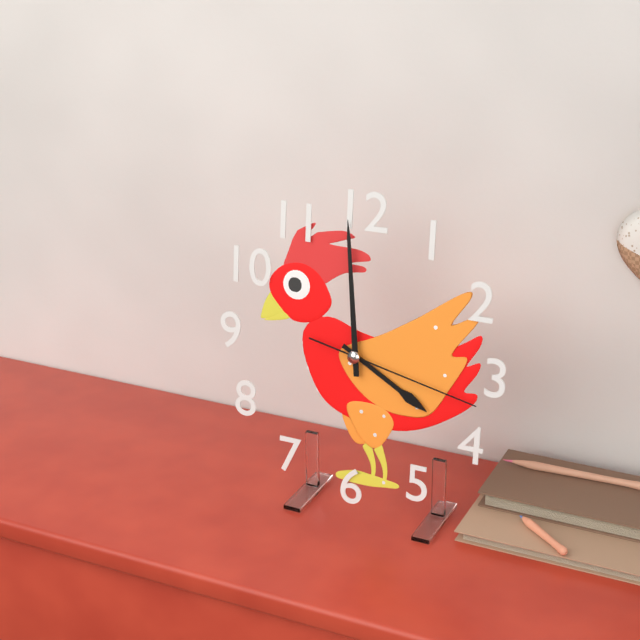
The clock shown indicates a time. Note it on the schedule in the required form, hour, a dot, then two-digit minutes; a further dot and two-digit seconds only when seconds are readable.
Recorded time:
3.59.17
